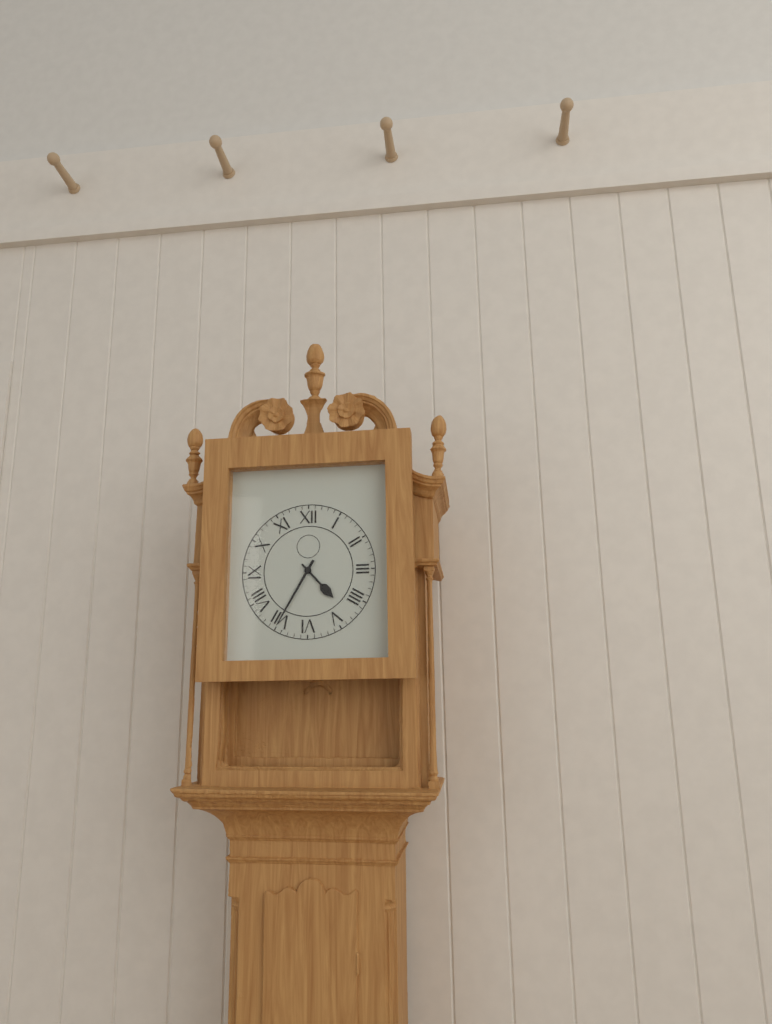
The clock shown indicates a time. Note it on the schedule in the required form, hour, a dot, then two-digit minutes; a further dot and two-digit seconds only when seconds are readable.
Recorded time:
4.35
